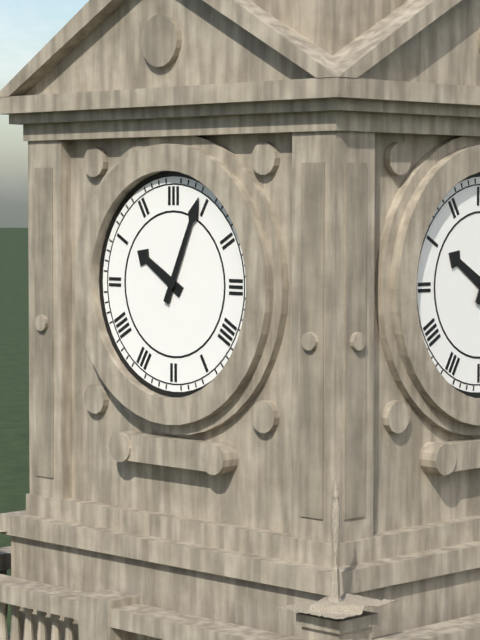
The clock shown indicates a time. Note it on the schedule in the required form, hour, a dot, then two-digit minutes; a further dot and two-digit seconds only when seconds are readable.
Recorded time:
10.04
